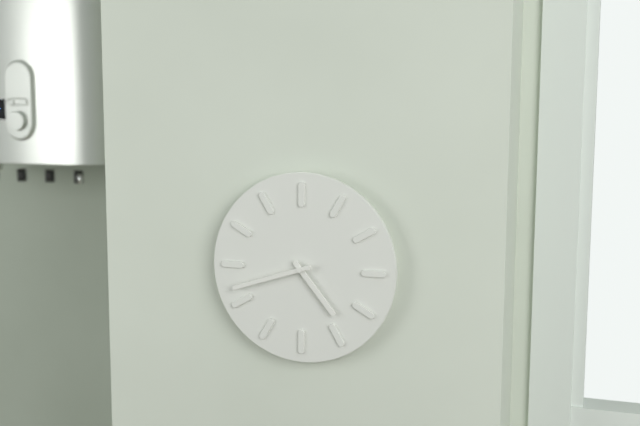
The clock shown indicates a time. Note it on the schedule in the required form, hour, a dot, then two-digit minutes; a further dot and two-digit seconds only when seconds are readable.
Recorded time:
4.42
